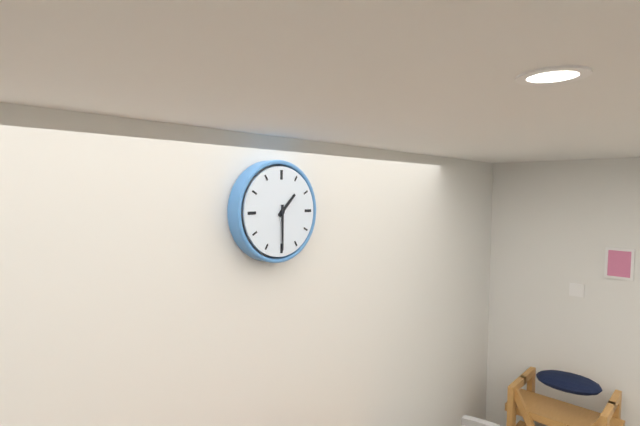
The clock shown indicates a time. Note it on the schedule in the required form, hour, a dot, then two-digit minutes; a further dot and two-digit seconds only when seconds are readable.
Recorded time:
1.30
